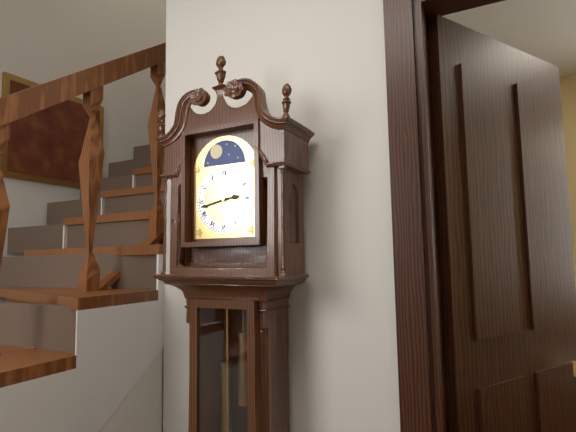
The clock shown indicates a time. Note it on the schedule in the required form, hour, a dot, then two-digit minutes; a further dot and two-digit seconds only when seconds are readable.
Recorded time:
2.43
